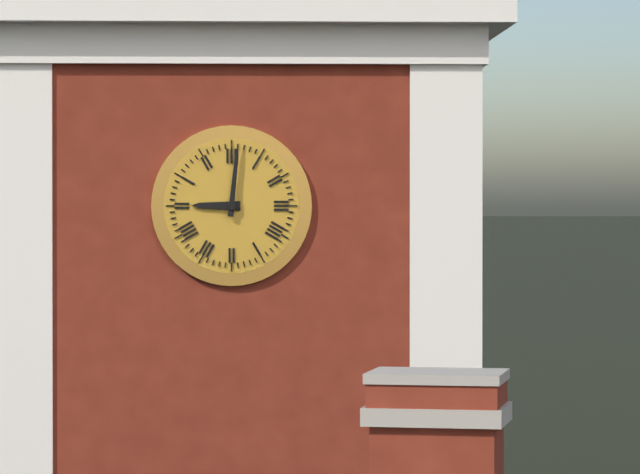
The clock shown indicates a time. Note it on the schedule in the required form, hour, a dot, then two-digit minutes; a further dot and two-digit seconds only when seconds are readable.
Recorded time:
9.01
